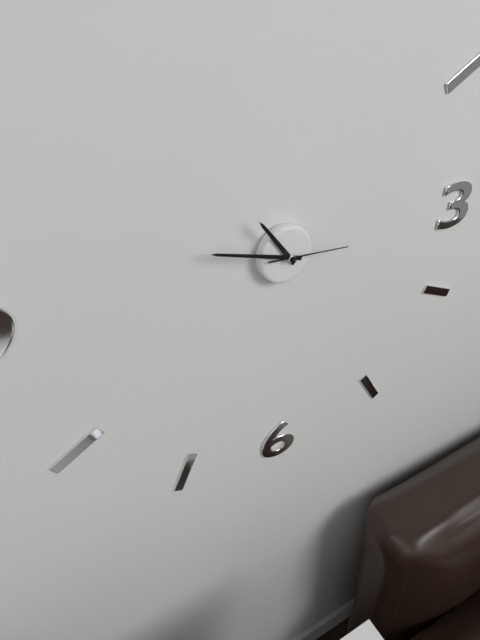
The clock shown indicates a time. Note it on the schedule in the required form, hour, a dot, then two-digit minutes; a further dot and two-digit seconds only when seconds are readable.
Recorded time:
10.48.16
